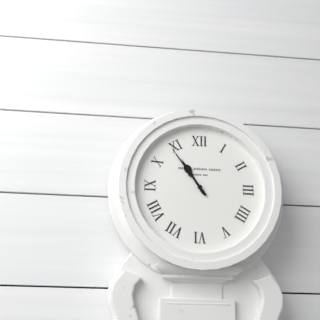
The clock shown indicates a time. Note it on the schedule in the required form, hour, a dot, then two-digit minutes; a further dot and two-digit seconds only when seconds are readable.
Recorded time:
10.54
